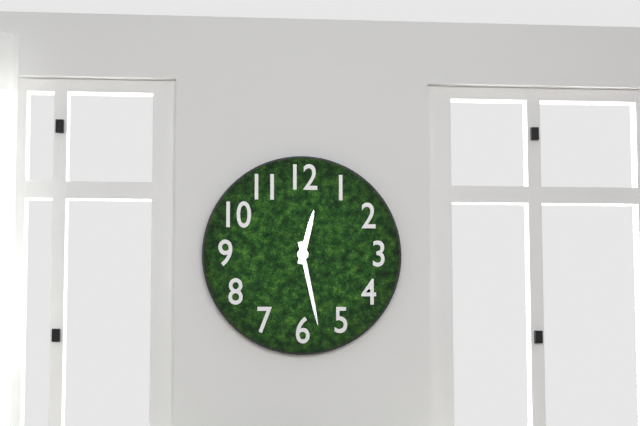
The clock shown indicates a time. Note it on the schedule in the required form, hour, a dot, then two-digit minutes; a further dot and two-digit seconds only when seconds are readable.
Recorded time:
12.28
